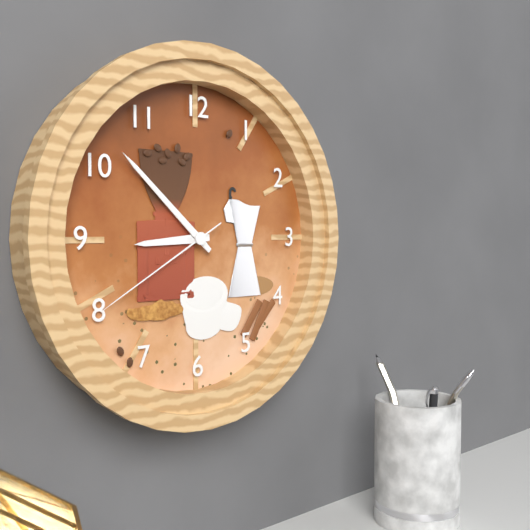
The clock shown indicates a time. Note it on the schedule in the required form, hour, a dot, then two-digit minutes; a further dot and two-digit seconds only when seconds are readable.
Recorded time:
8.52.40
